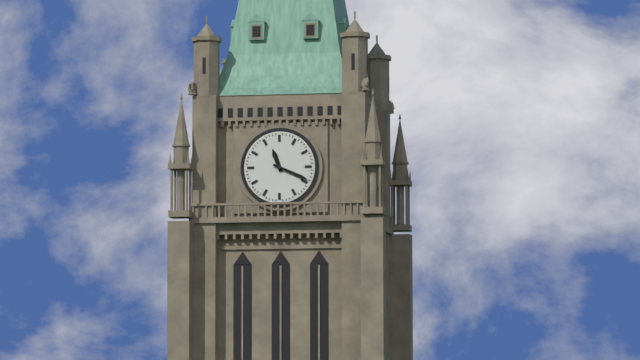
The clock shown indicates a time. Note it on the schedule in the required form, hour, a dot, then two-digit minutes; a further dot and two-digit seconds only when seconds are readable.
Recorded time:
11.19
